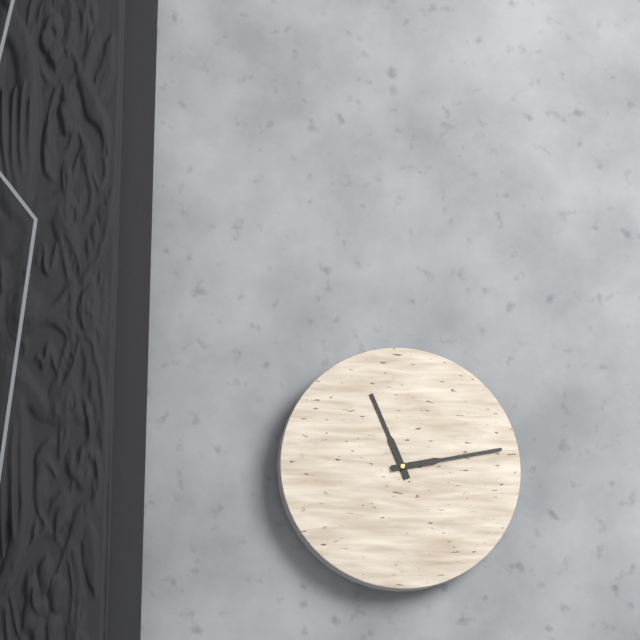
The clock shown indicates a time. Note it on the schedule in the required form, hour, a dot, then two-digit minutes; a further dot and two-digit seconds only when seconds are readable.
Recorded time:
11.13
